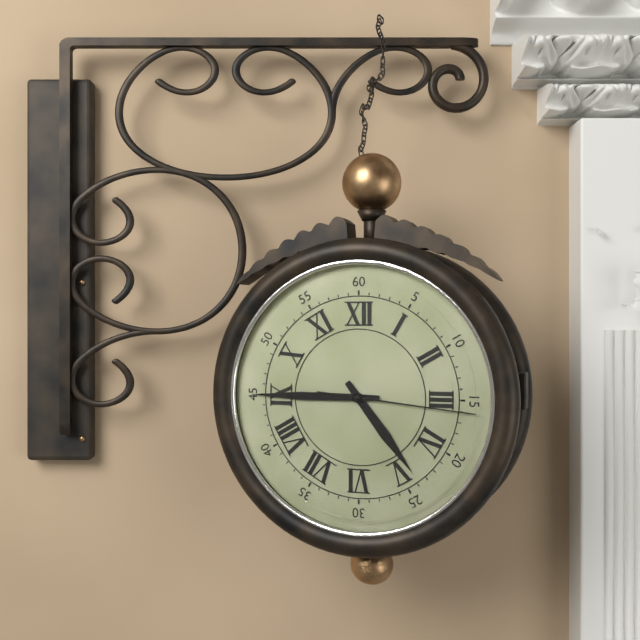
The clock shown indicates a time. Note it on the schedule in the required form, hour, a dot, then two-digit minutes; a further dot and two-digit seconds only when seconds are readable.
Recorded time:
4.45.16
